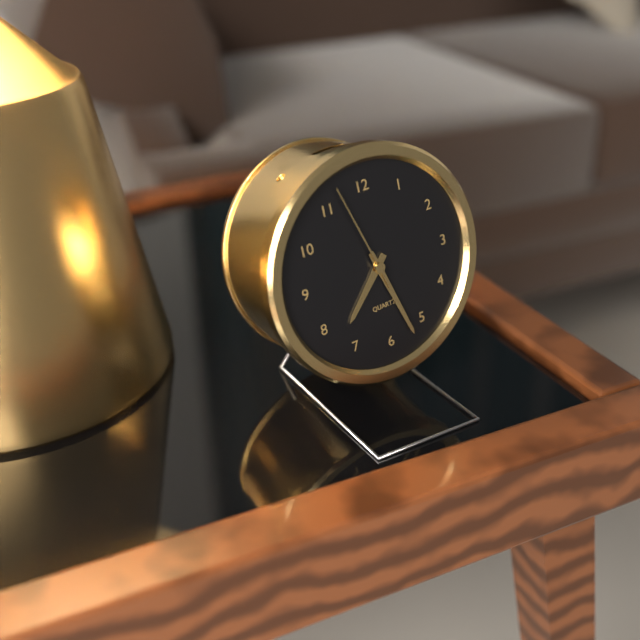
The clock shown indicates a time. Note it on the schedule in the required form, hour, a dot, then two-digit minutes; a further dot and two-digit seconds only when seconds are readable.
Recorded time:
7.27.57
